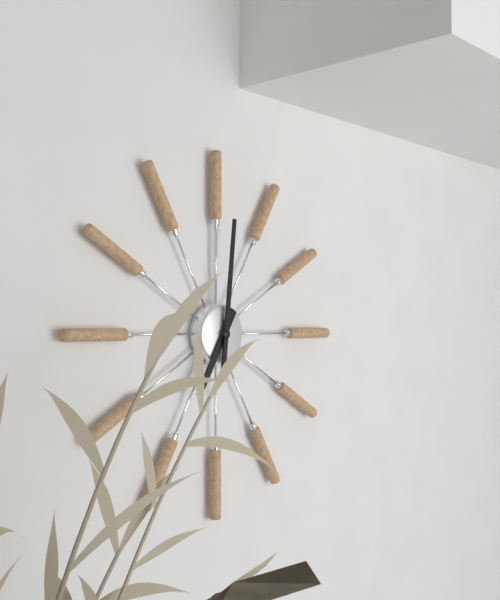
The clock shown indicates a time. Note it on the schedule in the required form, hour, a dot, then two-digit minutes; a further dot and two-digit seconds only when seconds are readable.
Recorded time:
7.01
